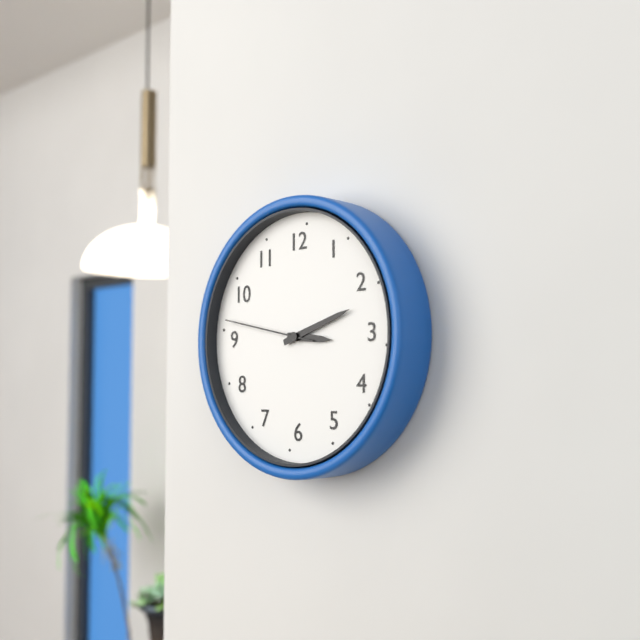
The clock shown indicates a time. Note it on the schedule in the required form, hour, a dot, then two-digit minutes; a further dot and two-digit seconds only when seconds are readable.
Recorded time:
3.12.47
